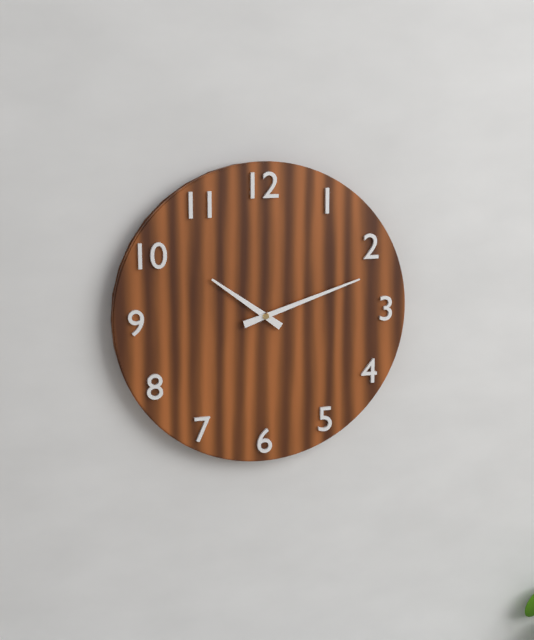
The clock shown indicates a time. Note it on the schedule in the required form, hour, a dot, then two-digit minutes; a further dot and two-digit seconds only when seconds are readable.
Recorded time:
10.12
